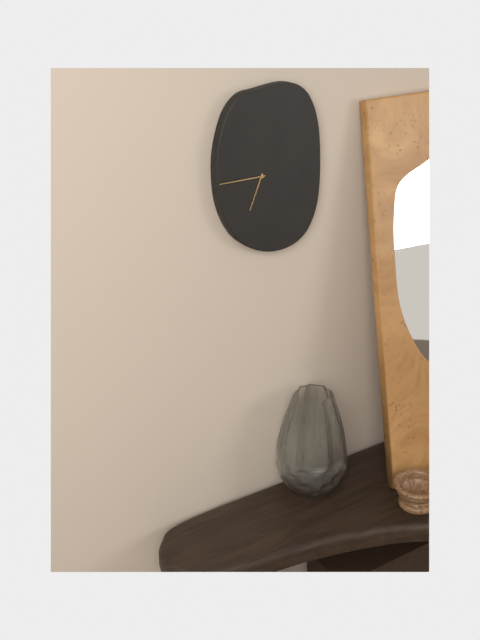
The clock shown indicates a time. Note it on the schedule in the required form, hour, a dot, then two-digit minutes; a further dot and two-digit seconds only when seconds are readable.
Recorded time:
6.45
